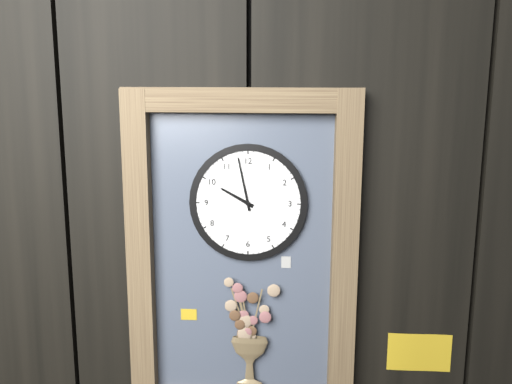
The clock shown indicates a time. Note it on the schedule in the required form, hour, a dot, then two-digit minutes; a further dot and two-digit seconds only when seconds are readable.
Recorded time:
9.58
